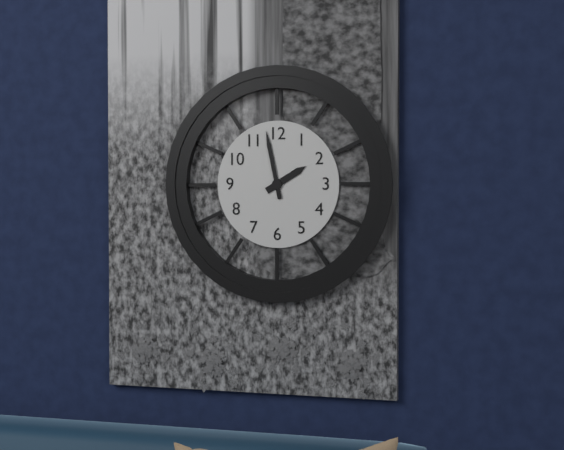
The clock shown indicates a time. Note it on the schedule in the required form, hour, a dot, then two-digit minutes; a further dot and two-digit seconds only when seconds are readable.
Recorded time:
1.58
